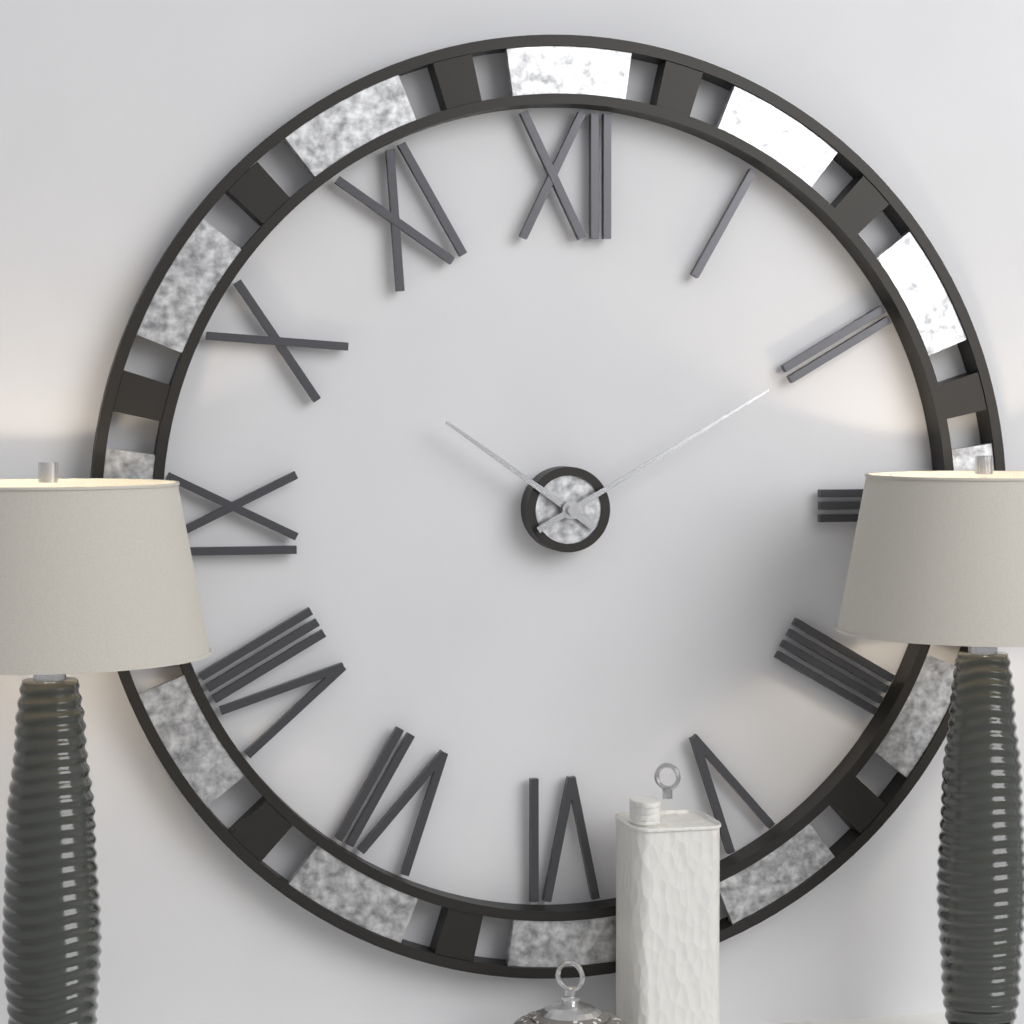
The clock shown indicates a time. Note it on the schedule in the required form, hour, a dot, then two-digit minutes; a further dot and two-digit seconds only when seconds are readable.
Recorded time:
10.10
